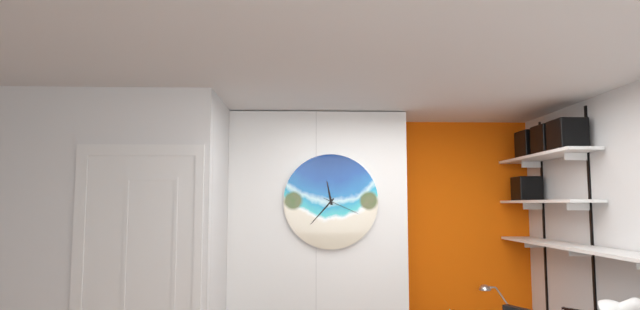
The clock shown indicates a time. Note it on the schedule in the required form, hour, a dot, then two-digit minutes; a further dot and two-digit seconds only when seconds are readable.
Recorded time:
11.37
